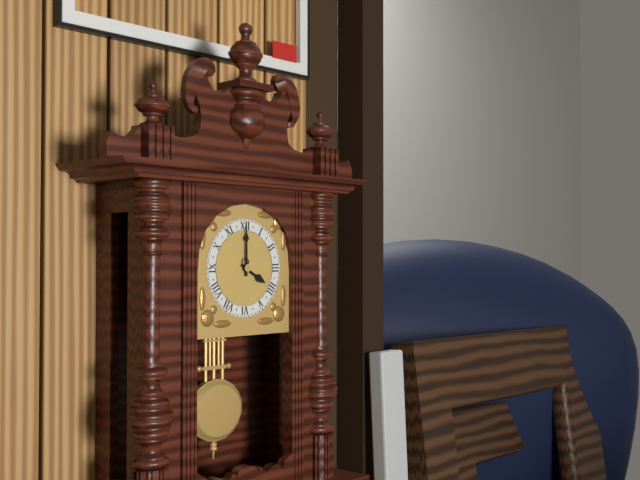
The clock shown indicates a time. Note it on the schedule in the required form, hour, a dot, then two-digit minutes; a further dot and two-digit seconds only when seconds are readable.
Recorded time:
4.00
